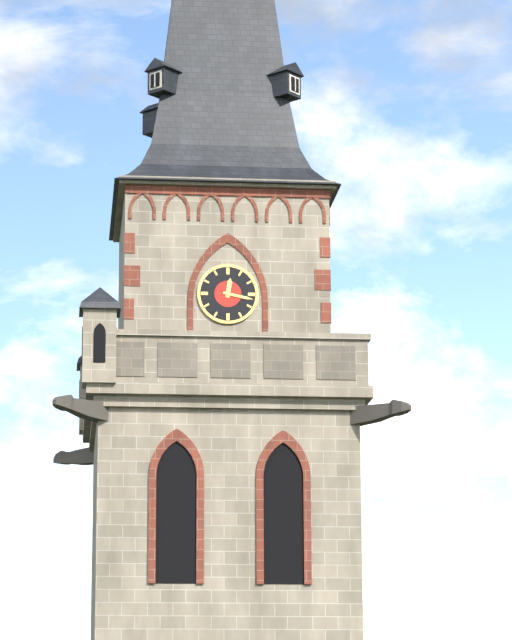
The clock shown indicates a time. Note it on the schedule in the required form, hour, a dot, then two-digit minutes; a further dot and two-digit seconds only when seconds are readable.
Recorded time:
12.17
